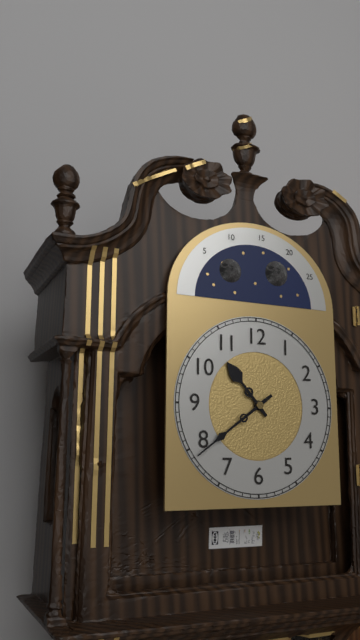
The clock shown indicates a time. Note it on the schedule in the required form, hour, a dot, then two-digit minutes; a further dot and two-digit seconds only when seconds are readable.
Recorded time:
10.39
